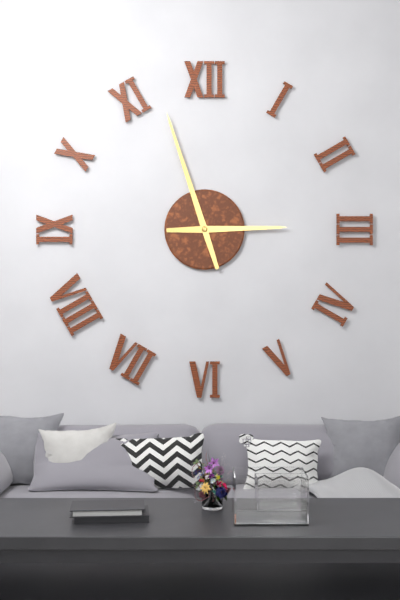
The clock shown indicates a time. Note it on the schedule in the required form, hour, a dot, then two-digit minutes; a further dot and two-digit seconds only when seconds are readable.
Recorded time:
2.57
